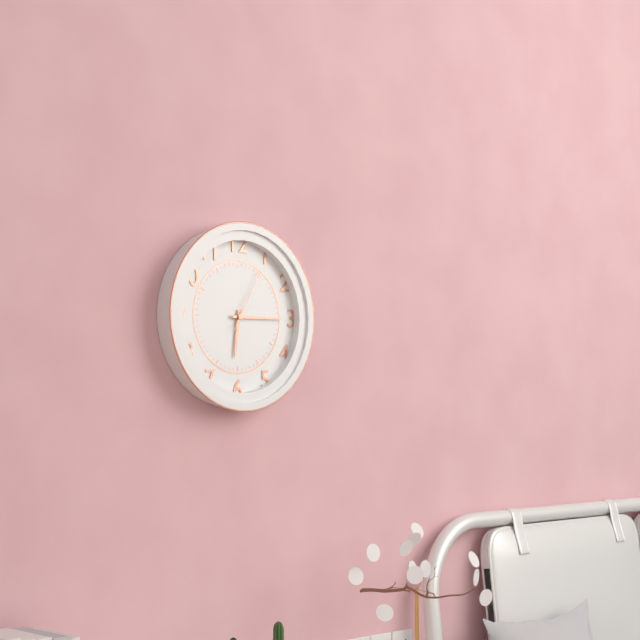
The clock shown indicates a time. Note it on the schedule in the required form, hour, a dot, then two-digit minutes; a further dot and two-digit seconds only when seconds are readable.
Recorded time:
6.15.05
